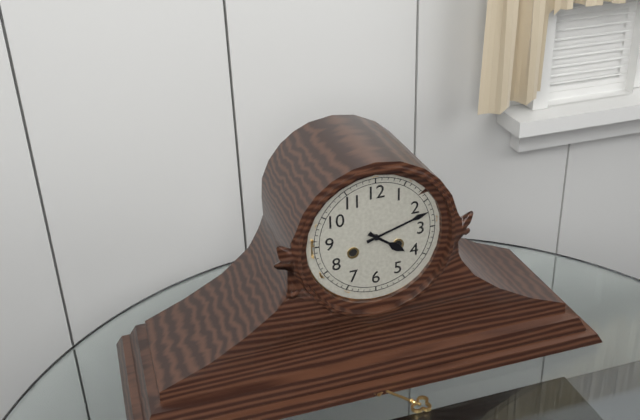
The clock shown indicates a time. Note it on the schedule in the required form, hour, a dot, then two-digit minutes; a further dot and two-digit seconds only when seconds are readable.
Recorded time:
4.12
